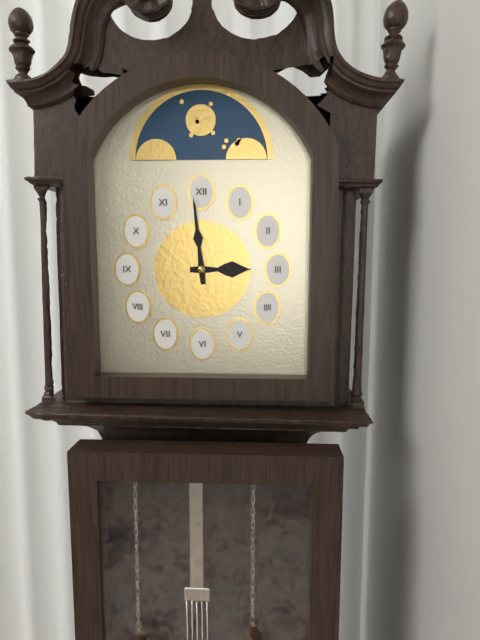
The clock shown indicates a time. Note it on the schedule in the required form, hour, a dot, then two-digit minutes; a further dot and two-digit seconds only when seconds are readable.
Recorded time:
2.59
